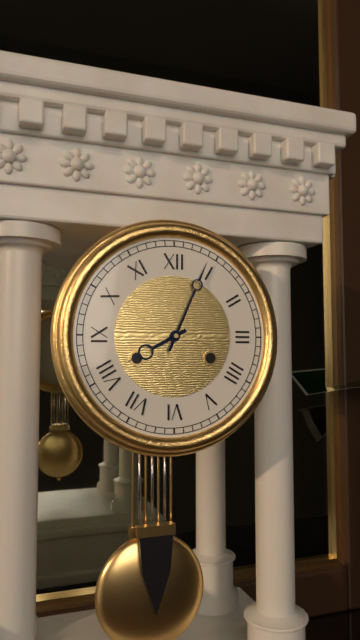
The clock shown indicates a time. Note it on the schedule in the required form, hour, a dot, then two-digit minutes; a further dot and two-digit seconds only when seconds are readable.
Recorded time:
8.04
